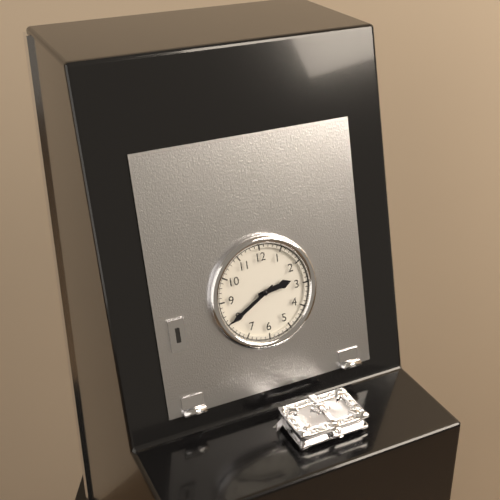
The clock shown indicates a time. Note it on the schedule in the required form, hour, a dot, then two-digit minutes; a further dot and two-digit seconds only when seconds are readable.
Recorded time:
2.40
